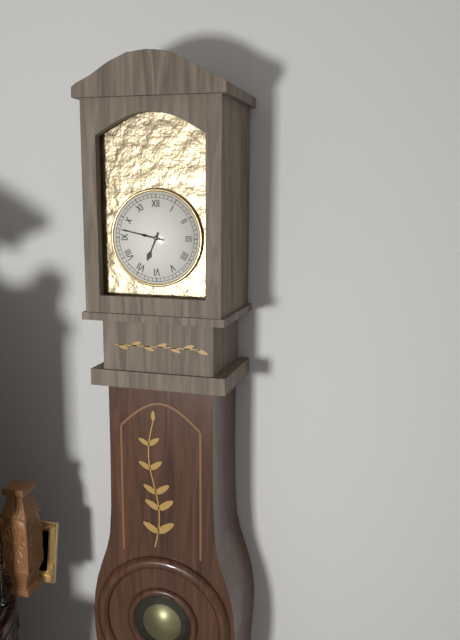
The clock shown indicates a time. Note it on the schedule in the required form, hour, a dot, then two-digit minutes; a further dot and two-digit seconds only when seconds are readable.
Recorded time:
6.47
